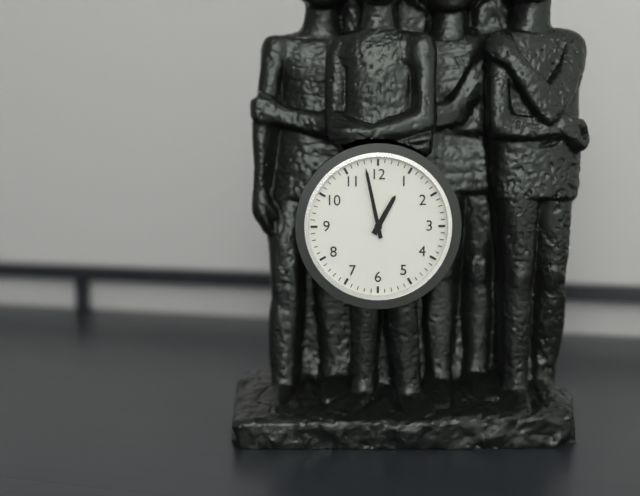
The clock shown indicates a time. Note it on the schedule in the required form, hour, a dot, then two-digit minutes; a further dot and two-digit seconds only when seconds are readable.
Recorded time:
12.58
